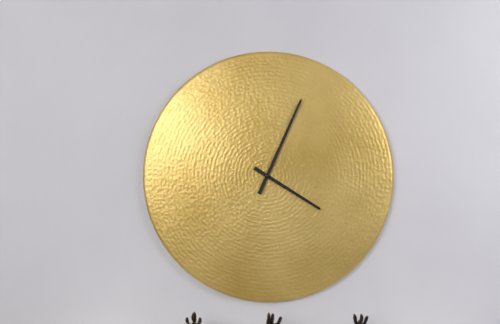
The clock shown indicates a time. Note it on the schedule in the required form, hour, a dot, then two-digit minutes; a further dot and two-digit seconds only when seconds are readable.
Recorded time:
4.04
